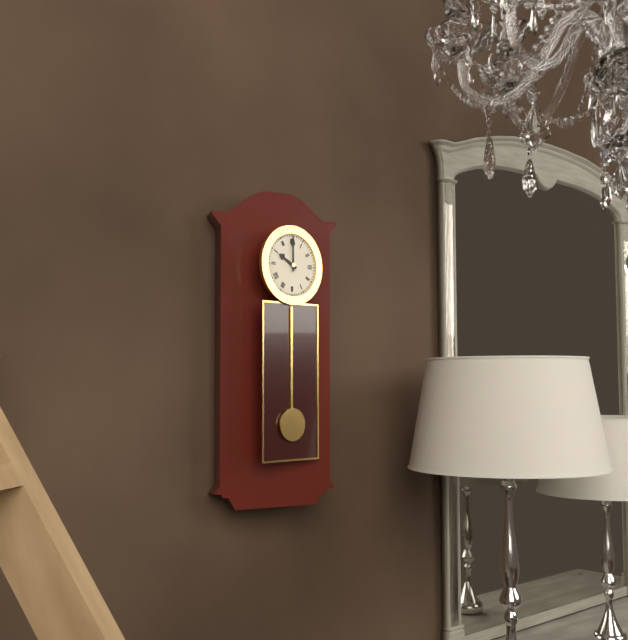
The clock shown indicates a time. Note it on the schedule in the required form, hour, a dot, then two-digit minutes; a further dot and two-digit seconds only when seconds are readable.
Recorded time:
10.00
